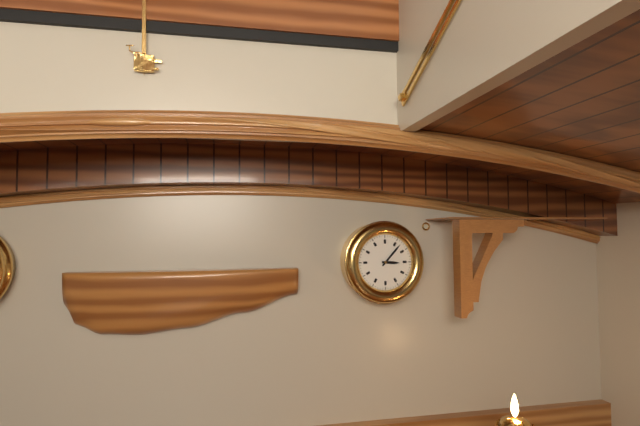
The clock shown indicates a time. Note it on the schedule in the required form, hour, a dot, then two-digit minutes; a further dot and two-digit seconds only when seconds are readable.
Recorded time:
3.07
